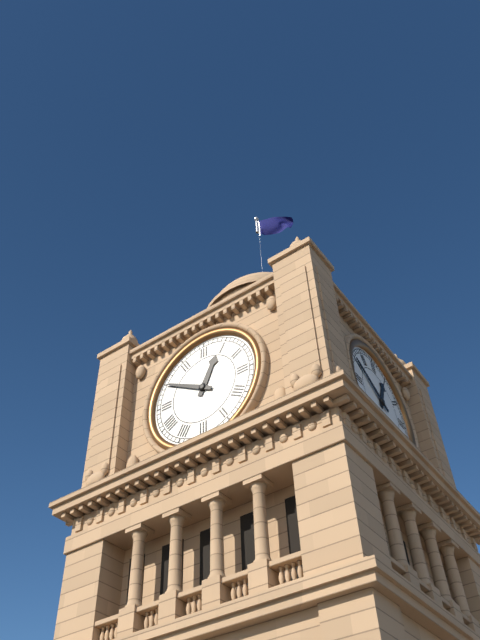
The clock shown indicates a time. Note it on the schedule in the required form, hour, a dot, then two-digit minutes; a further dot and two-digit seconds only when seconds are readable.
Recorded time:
12.50
